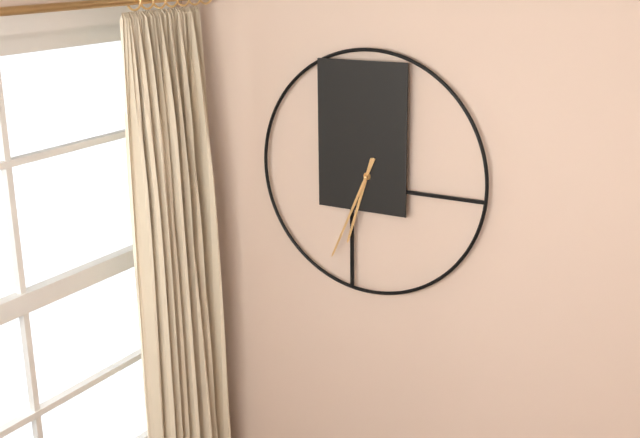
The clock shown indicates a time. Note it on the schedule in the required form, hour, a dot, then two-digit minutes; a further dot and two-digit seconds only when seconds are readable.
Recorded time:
6.34
